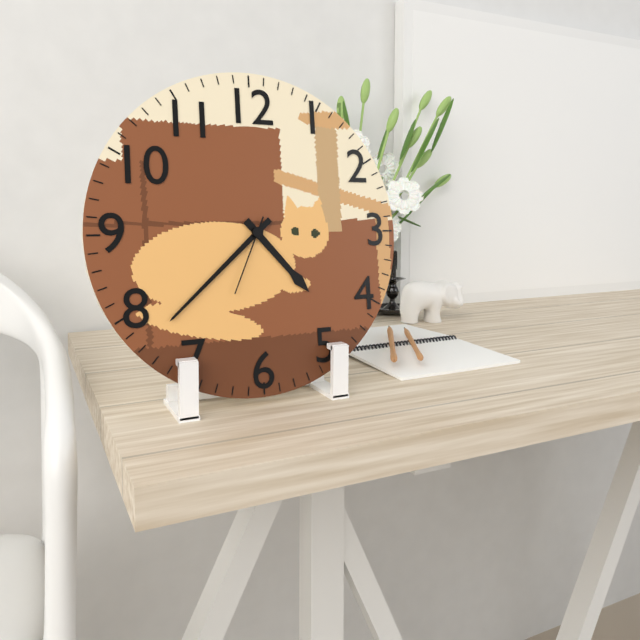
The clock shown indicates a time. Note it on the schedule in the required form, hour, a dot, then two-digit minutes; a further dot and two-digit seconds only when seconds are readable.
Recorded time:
4.38.34
